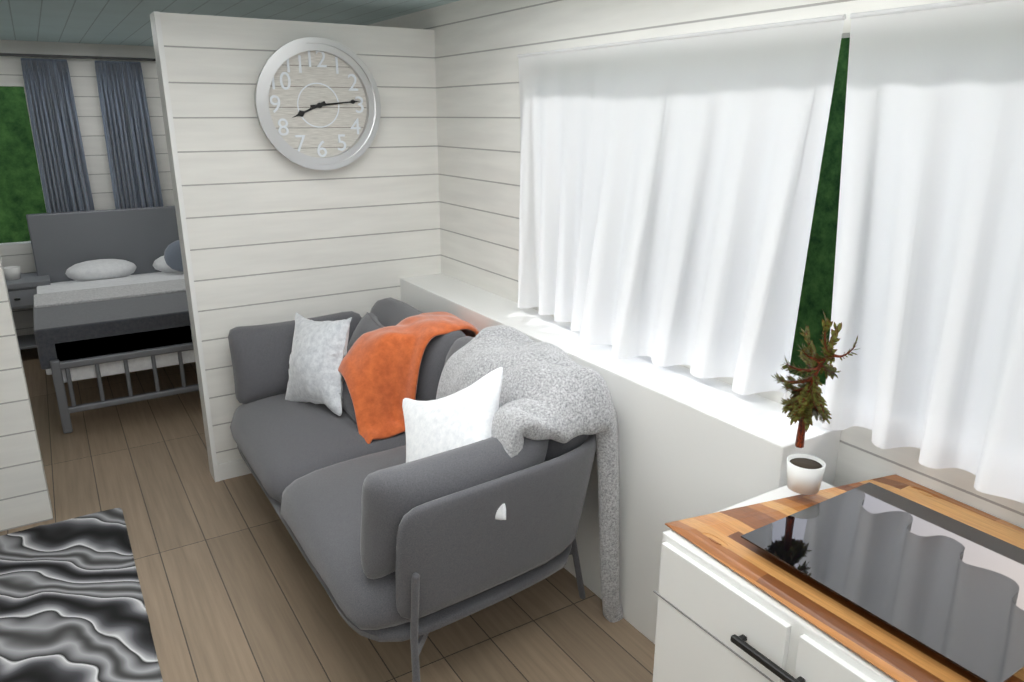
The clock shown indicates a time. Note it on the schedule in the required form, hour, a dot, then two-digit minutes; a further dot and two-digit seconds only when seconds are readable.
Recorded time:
8.14
